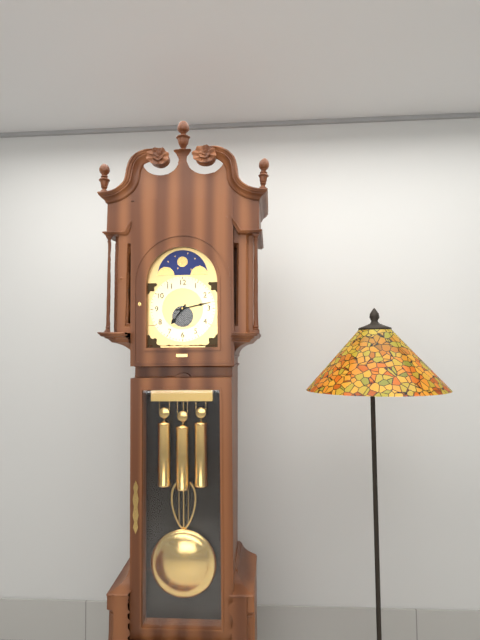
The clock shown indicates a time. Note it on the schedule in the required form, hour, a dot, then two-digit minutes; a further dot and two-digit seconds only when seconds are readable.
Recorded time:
7.13
